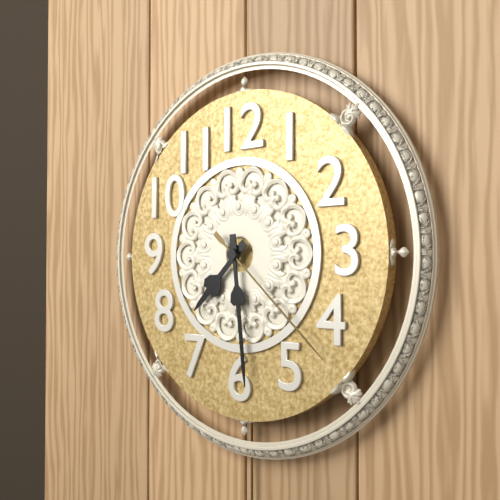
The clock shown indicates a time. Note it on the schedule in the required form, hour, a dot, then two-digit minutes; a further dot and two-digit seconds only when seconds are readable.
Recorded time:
7.29.22
